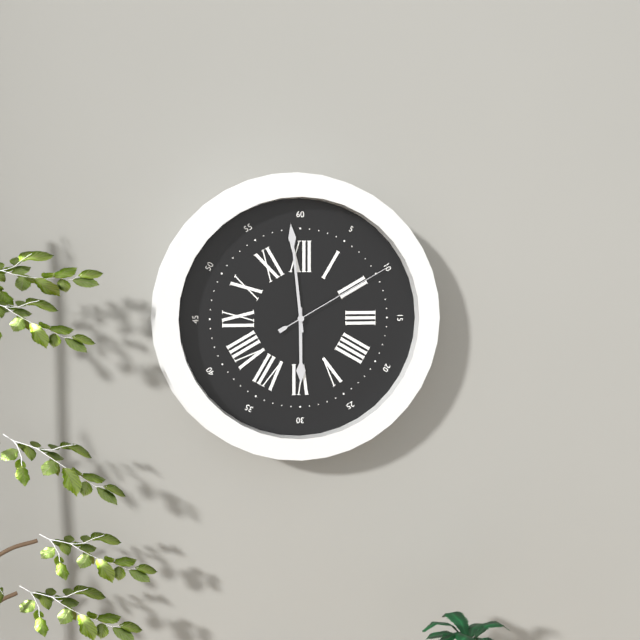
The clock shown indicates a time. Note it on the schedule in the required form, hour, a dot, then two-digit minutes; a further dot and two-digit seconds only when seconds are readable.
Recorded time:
5.59.10
